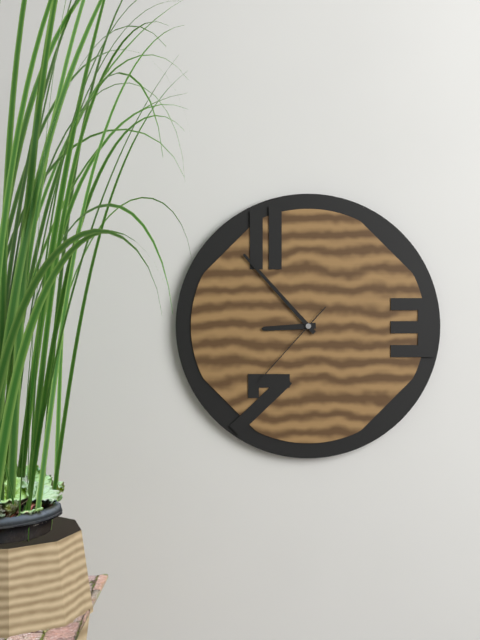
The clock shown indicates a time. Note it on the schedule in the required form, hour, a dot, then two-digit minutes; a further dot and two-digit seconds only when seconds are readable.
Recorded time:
8.53.37
